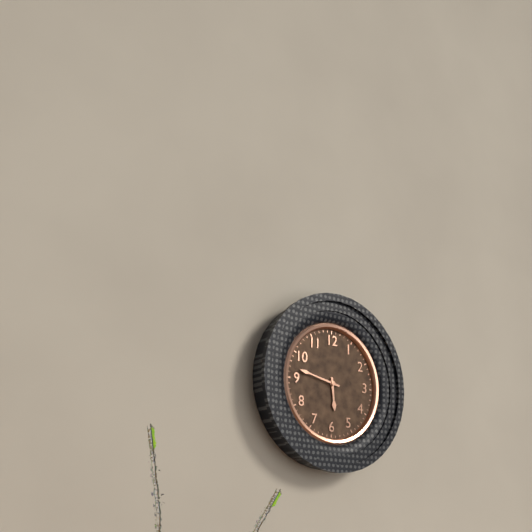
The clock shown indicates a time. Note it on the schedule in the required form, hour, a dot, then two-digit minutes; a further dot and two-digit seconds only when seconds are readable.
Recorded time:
5.47
